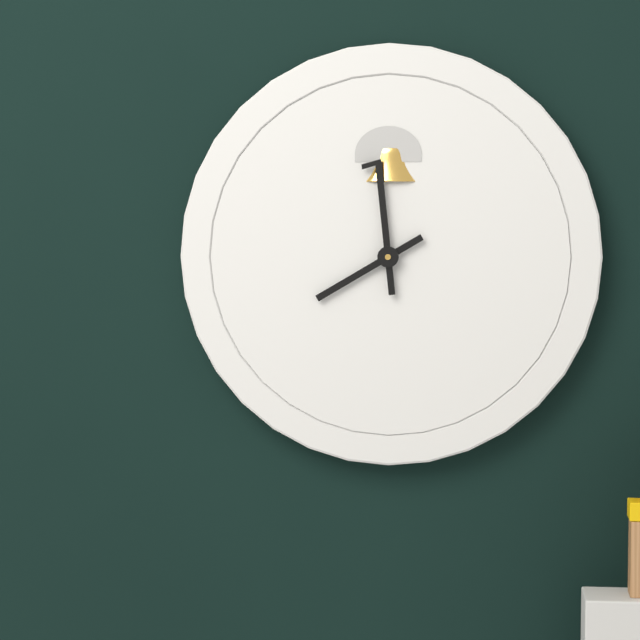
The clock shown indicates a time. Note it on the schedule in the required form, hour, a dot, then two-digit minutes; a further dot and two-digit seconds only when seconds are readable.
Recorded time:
7.59
